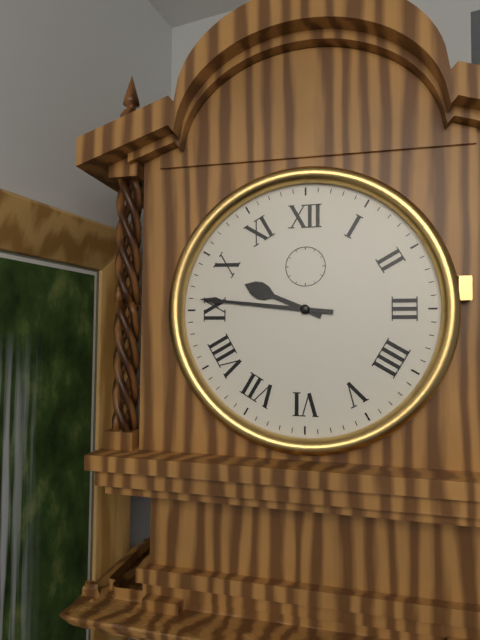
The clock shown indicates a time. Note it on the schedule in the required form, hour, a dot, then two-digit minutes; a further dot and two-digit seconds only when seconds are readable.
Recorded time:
9.46
